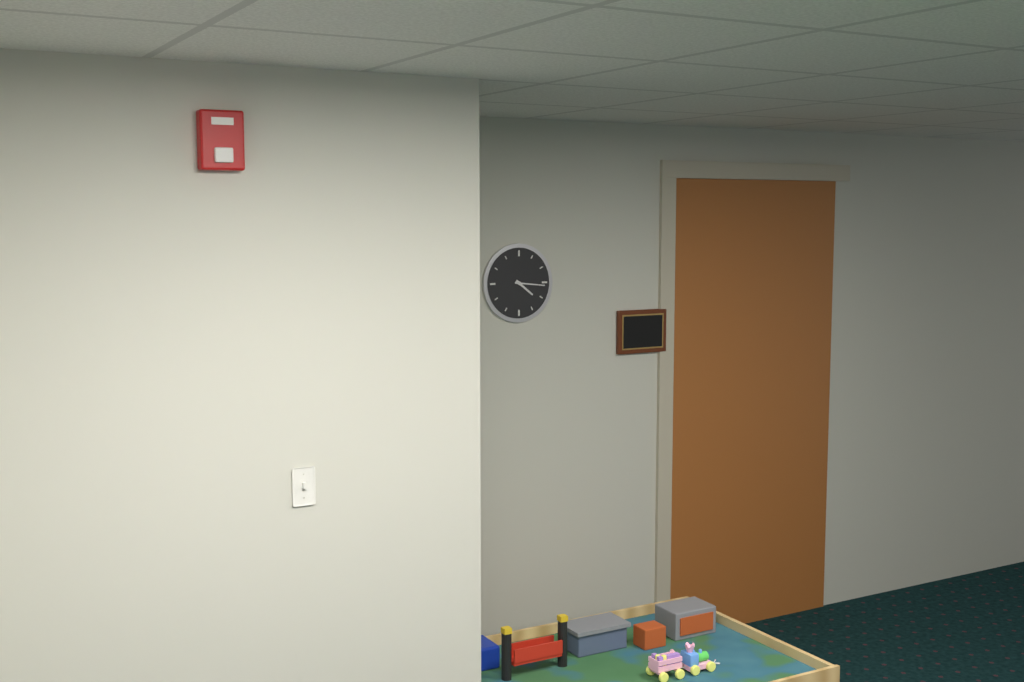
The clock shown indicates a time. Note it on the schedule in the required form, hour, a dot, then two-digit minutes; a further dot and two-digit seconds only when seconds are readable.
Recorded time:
4.16
